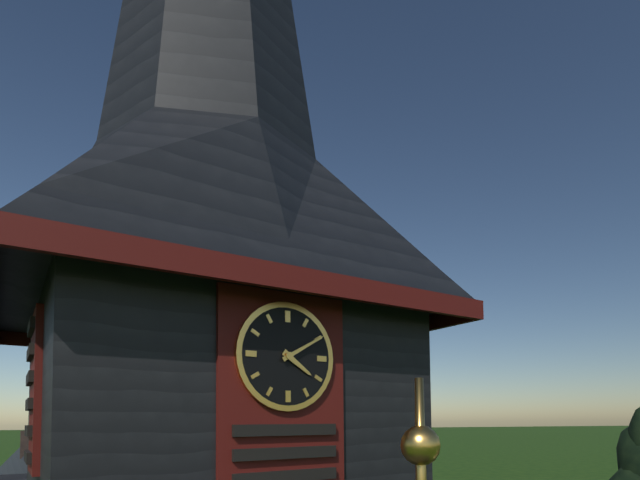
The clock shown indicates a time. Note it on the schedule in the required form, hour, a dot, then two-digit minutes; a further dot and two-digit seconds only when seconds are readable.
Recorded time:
4.10
